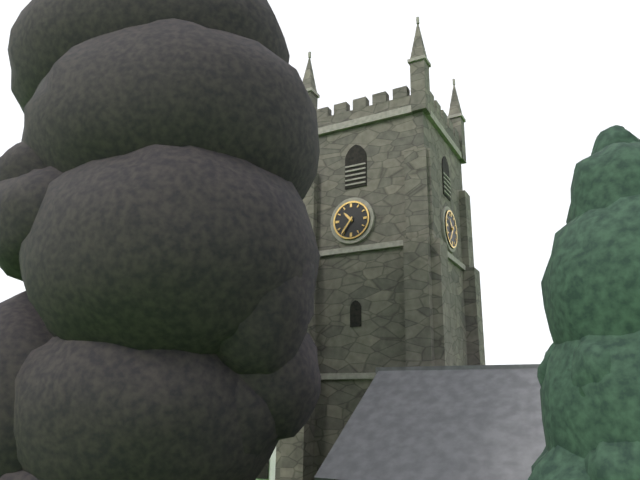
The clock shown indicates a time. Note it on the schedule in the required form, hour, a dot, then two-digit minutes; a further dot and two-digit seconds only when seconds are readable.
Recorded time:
10.36
